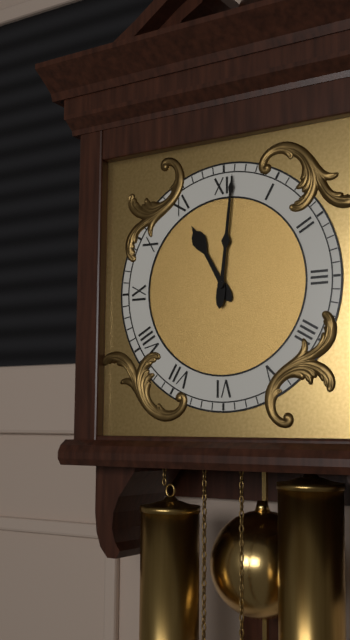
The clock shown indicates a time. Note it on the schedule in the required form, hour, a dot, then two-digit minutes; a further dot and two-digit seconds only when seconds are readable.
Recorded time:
11.01
